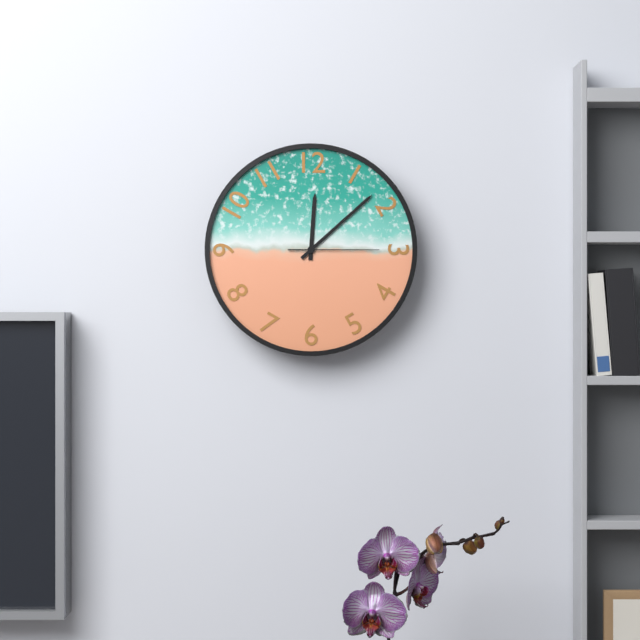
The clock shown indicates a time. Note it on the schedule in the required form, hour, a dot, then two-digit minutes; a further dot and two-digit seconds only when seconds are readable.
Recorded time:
12.08.15
